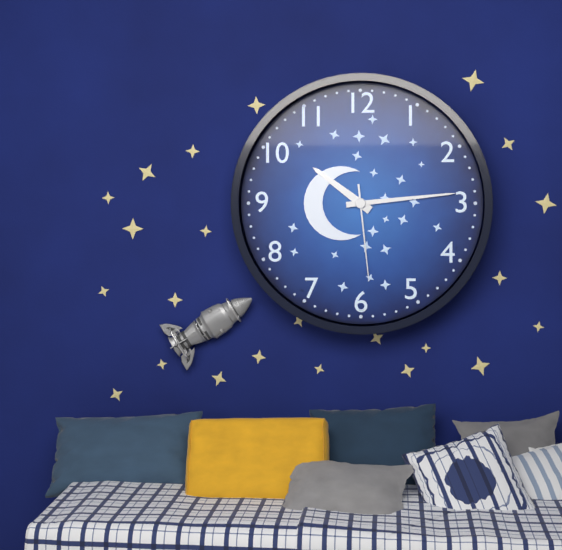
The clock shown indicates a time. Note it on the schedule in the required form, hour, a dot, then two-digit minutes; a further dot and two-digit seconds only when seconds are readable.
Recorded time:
10.14.29
